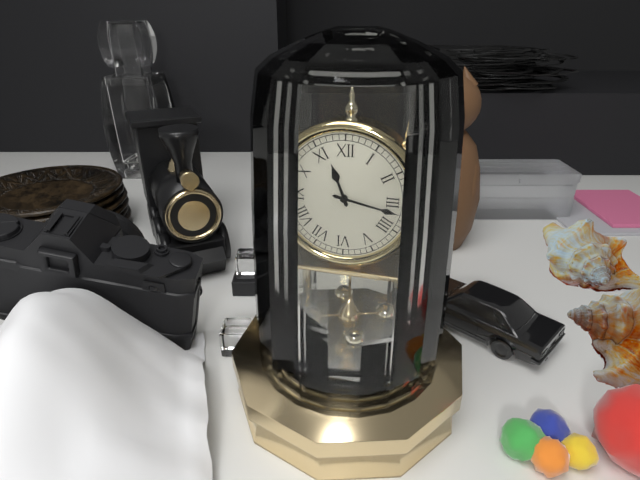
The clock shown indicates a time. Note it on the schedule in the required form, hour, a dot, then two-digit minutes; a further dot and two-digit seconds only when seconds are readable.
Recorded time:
11.17
